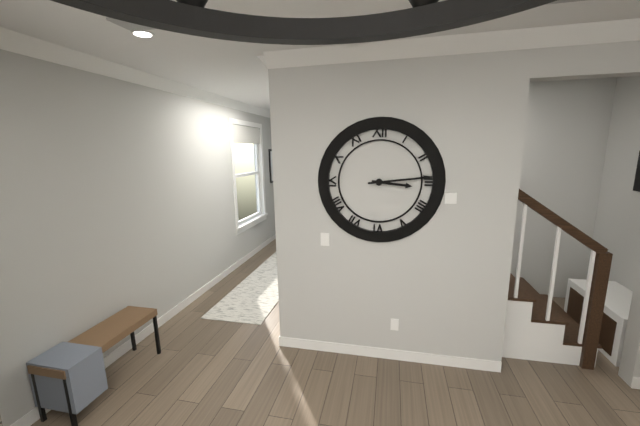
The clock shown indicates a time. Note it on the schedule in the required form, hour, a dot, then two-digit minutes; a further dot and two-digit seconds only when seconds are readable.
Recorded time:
3.14
